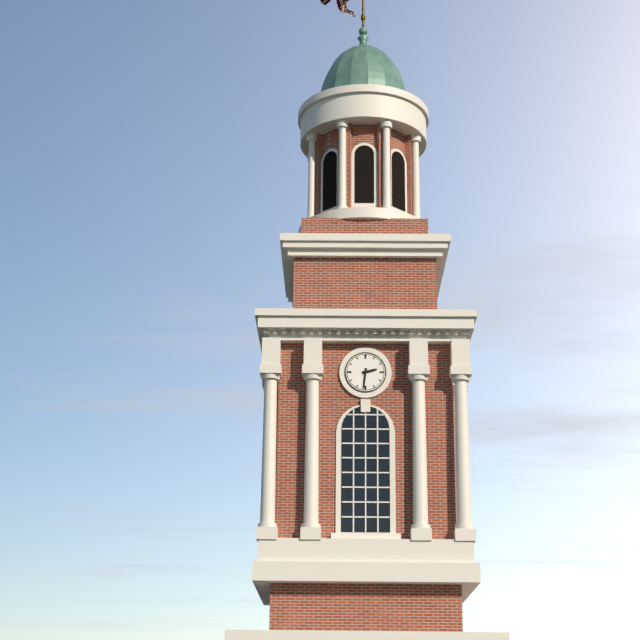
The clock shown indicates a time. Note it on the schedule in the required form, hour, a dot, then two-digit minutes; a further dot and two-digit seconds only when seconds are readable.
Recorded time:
2.31
